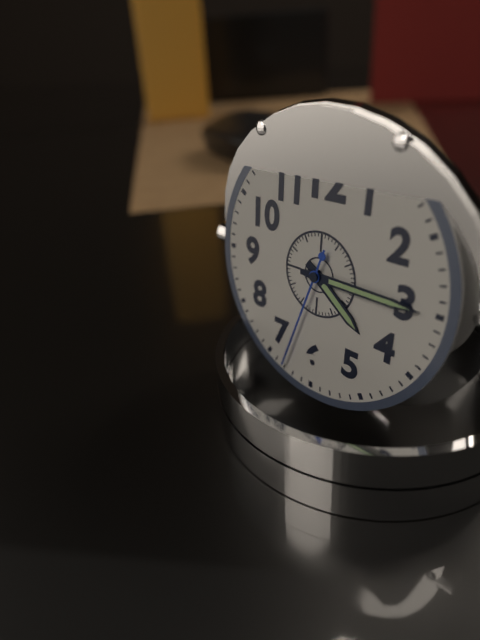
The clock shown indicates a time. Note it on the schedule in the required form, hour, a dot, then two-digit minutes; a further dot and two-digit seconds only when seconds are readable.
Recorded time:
4.15.33
